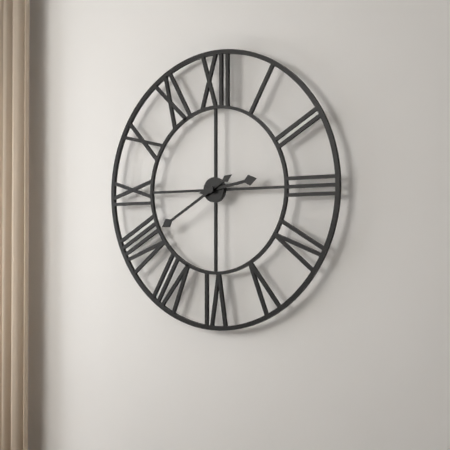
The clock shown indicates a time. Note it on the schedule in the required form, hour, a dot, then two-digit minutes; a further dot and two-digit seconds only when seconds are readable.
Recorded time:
2.40
